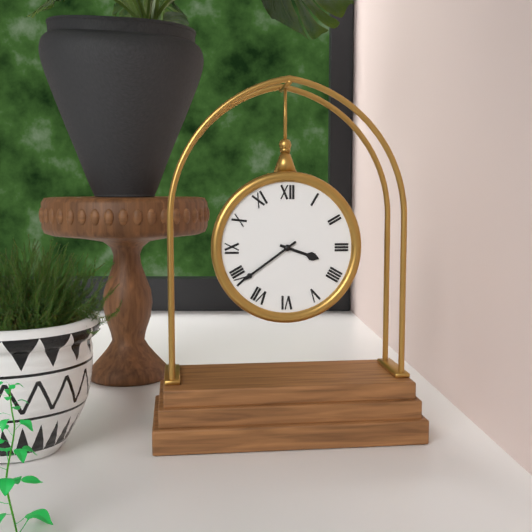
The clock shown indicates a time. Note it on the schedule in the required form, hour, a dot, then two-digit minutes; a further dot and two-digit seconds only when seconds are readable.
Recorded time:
3.39
